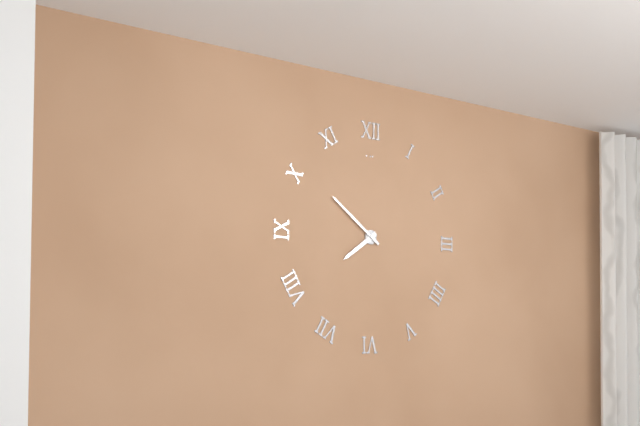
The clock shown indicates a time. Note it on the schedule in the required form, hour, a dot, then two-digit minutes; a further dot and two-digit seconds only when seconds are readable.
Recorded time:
7.51
